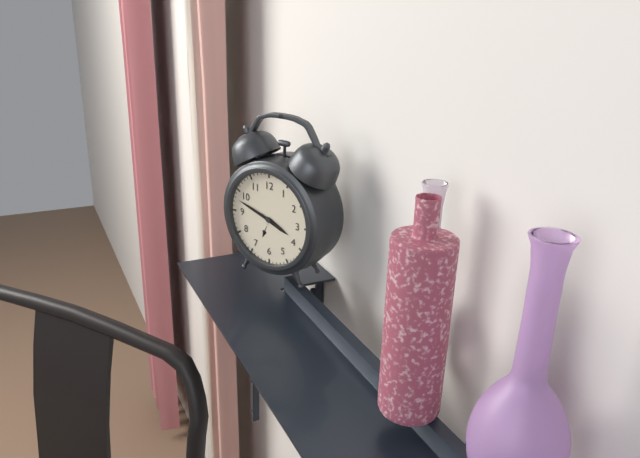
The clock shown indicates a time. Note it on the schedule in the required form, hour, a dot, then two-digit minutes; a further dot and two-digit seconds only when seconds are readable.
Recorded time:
3.48
